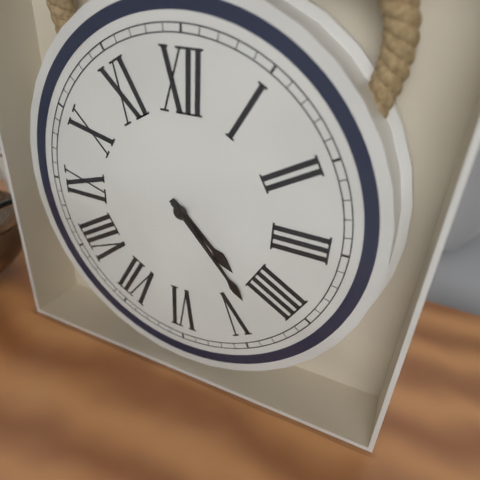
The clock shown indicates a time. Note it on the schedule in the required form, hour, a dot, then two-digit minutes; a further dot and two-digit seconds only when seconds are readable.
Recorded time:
4.23
